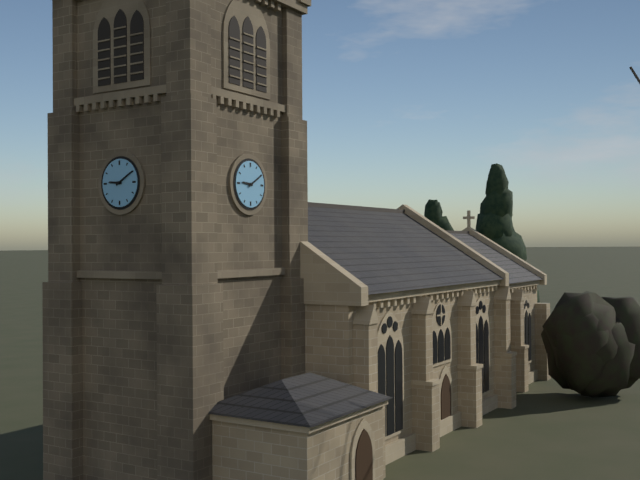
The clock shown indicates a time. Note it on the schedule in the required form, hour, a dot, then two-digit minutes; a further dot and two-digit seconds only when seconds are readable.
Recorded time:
9.10
